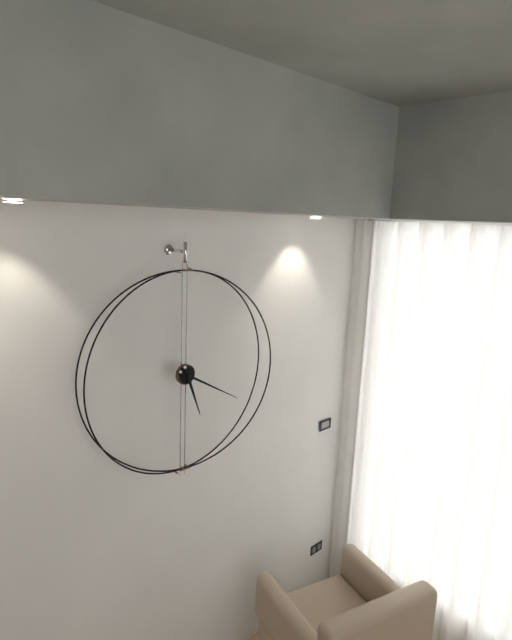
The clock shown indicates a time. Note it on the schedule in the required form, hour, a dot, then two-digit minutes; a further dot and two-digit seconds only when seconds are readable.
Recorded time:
5.20
